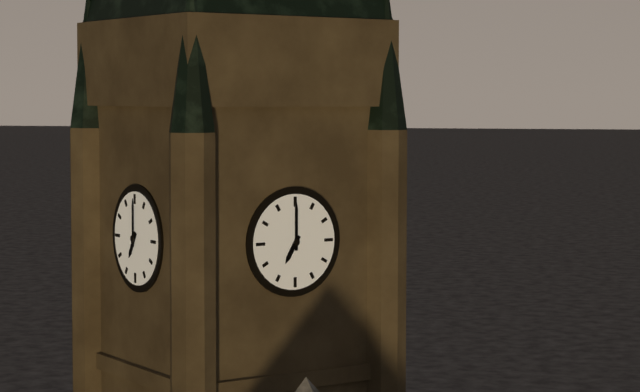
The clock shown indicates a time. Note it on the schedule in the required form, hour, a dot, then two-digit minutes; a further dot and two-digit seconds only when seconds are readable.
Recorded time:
7.00
